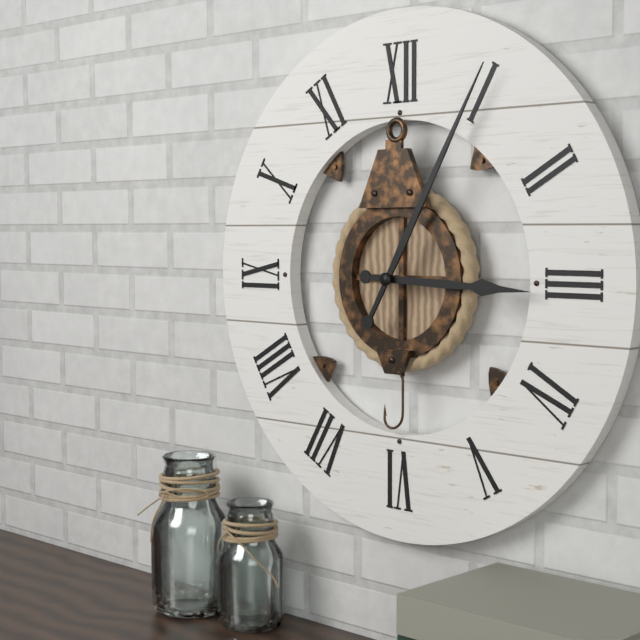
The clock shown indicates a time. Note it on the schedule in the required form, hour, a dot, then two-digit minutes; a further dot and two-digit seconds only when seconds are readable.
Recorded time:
3.05
